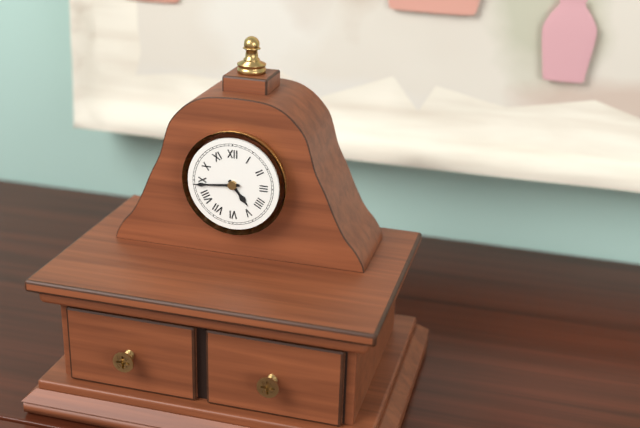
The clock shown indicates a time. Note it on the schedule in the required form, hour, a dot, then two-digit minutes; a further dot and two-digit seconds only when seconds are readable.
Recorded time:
4.44
